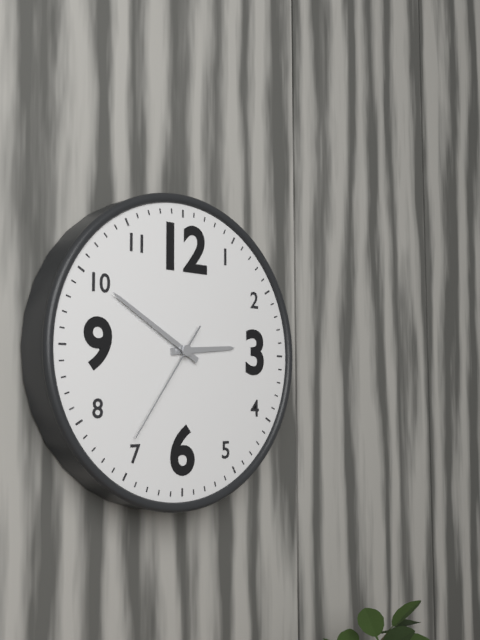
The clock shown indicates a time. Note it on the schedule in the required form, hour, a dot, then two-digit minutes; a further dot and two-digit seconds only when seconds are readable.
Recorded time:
2.50.36
